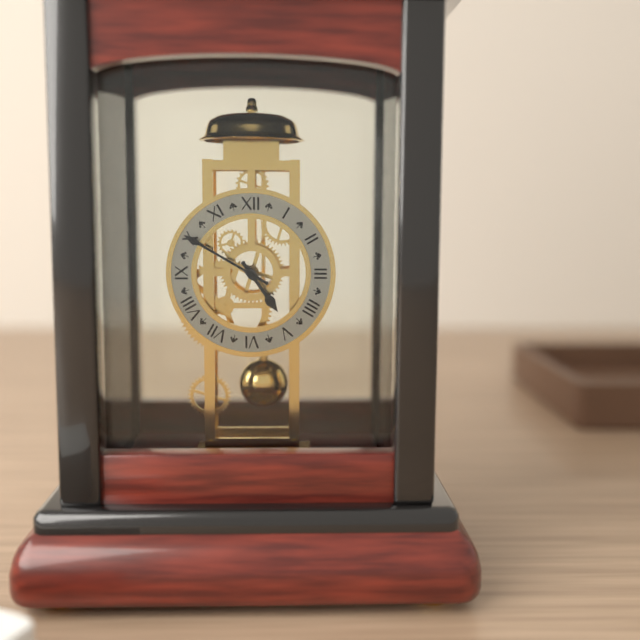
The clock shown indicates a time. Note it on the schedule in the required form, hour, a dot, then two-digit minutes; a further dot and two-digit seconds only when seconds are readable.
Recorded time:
4.50
